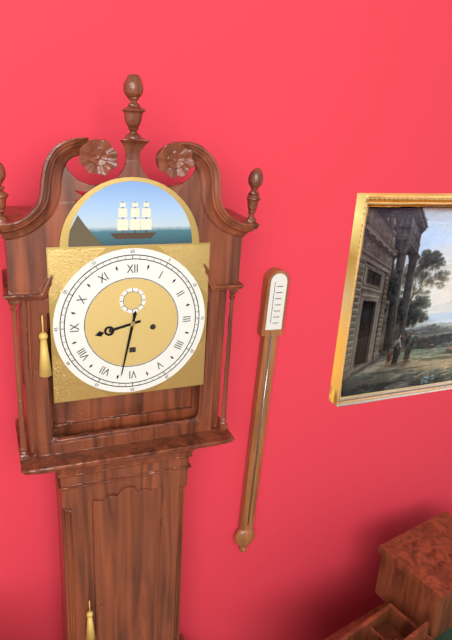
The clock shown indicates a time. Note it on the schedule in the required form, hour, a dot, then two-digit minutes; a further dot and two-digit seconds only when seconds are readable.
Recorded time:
8.32
